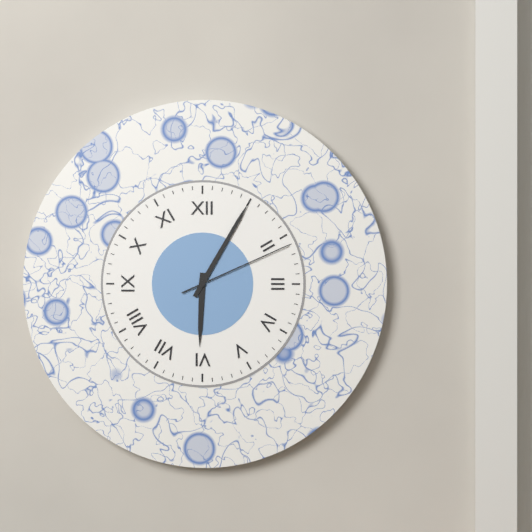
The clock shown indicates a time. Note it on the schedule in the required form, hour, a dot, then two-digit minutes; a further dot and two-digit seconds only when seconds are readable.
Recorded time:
6.05.11
